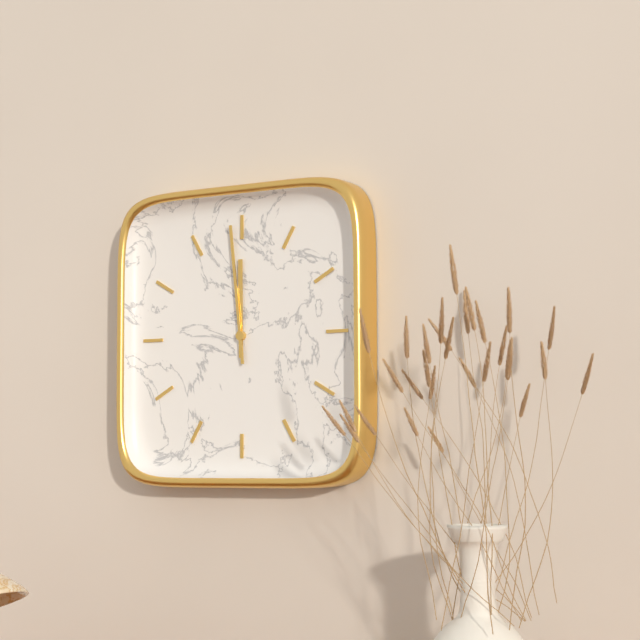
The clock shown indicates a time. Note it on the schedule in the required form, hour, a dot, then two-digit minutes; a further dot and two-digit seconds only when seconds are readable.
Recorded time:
11.59
